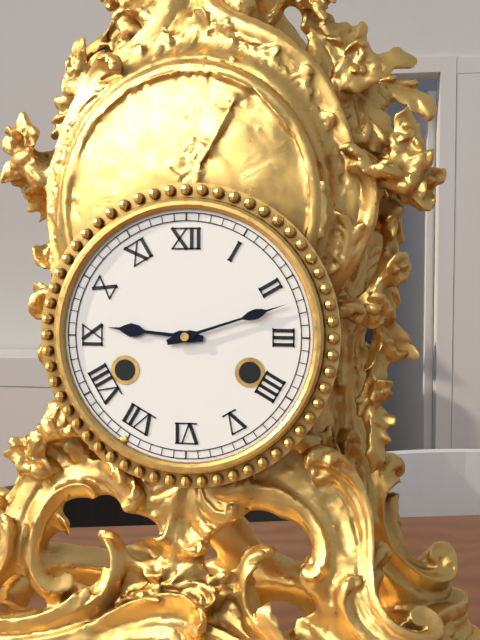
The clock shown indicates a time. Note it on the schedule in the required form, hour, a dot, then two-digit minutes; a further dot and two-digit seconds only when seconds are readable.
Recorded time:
9.12
